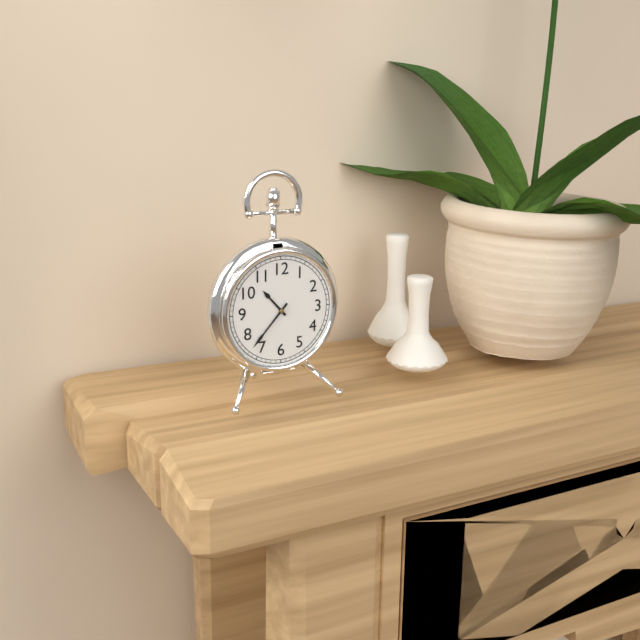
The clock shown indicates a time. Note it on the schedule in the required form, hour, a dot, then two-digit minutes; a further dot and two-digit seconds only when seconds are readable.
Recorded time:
10.37
